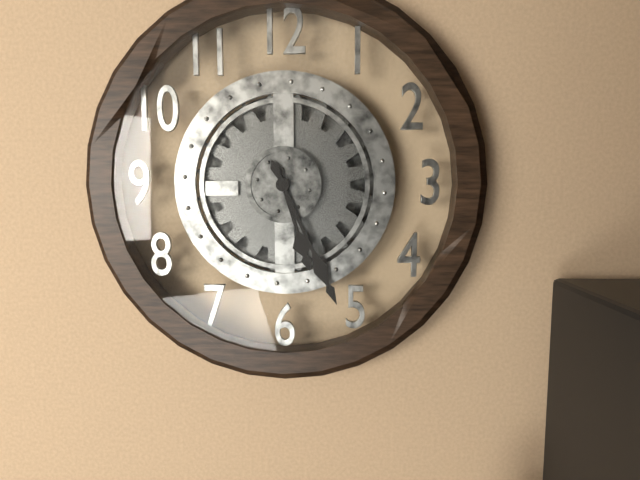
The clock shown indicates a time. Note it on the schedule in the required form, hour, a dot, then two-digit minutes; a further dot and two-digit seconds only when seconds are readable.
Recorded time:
5.26
